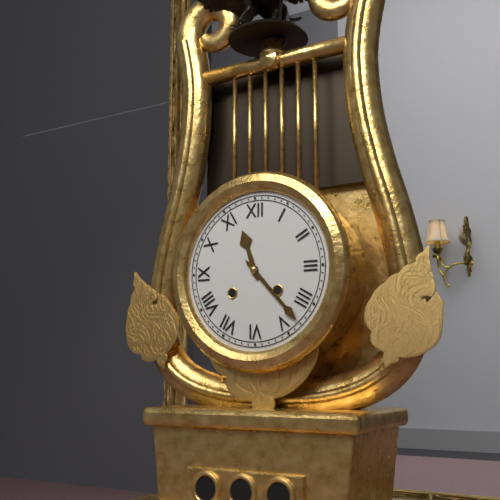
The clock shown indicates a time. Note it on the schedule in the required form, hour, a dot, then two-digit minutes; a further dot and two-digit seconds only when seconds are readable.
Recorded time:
11.23
